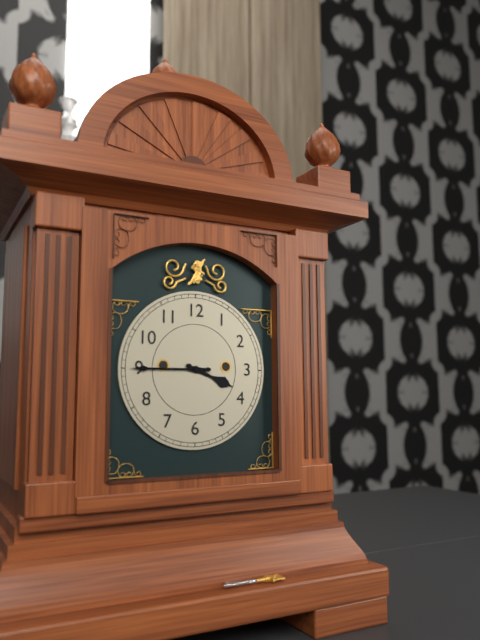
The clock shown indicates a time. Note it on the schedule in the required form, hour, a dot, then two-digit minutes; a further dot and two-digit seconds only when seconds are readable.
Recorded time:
3.45
